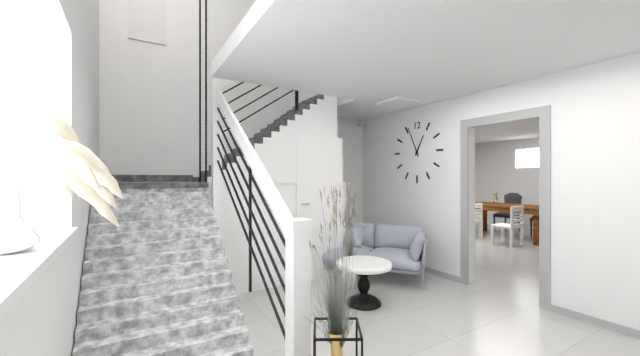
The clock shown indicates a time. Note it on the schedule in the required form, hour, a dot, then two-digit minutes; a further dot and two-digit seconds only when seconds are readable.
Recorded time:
12.56
